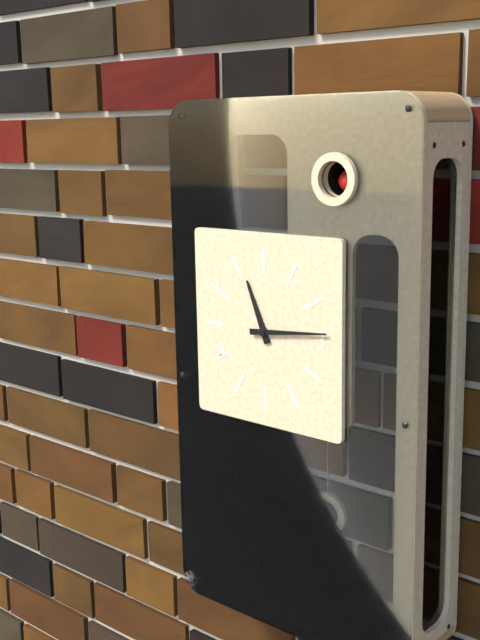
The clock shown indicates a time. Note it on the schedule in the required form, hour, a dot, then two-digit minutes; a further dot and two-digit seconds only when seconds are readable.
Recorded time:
11.14
